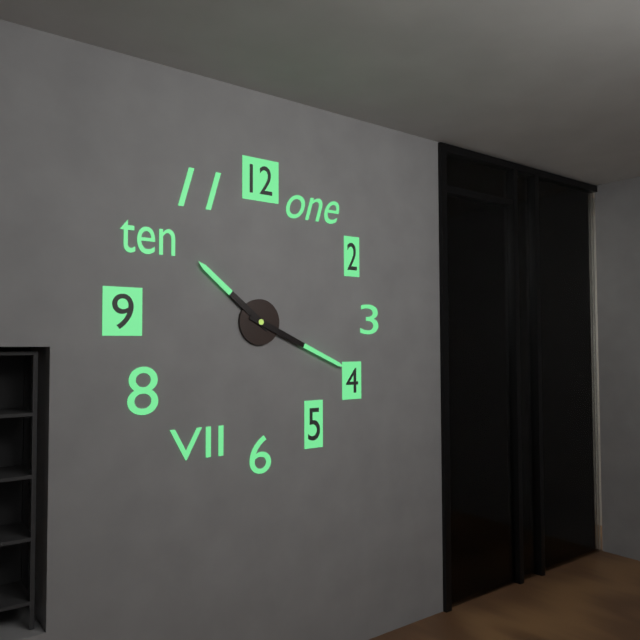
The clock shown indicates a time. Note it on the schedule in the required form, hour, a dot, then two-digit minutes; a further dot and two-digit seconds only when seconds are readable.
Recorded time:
10.19
